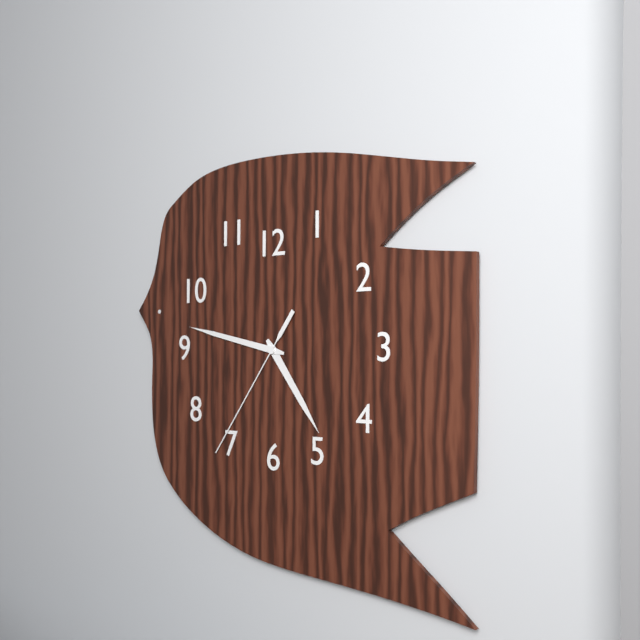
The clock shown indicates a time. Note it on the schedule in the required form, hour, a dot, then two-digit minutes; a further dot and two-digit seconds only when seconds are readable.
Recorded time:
4.47.36
